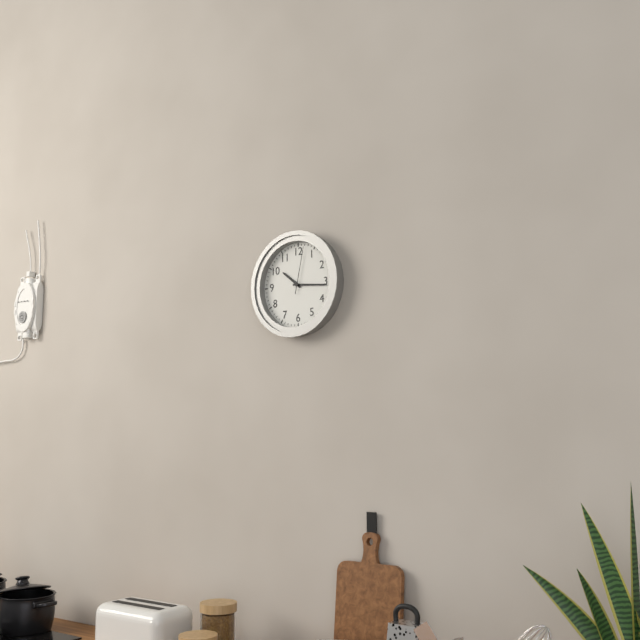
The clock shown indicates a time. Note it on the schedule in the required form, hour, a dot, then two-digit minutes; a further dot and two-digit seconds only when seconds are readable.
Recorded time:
10.16
